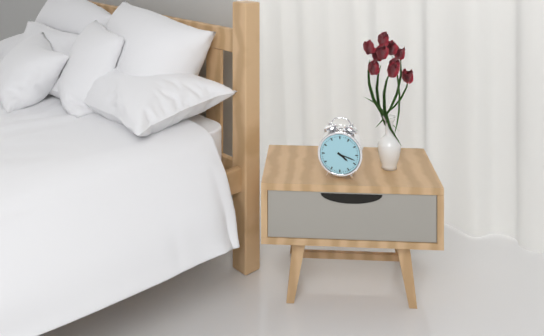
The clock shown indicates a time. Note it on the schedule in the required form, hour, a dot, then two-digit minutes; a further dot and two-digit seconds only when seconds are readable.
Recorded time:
4.18
